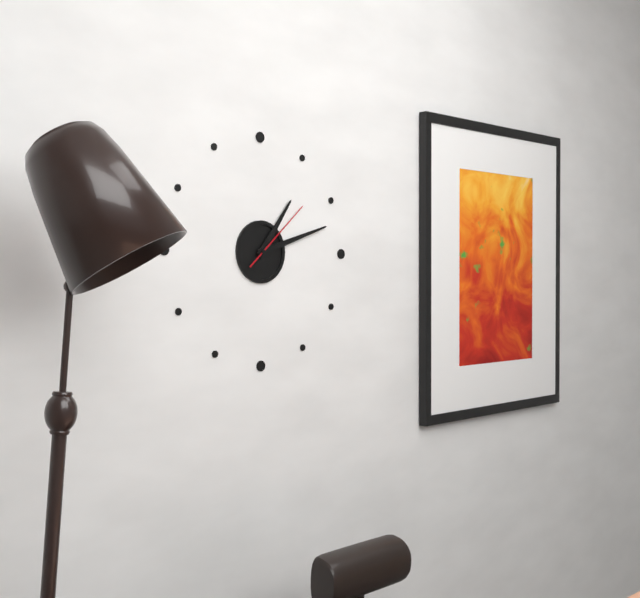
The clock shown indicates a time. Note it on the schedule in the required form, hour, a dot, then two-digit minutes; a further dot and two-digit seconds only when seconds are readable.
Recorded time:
1.12.08
